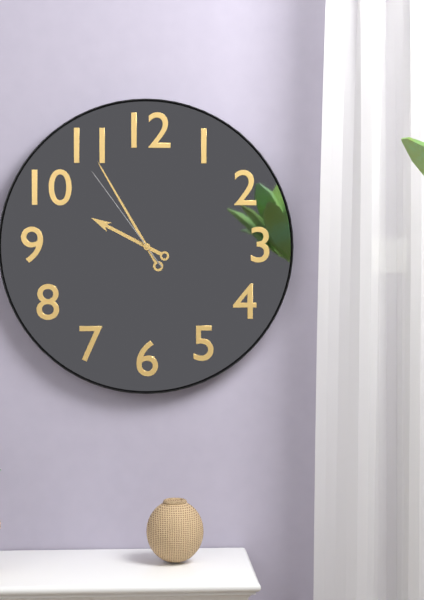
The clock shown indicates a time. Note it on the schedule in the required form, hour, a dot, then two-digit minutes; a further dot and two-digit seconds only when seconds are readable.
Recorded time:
9.55.54
